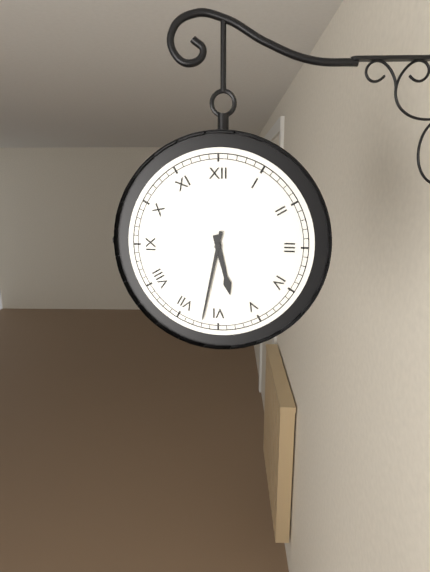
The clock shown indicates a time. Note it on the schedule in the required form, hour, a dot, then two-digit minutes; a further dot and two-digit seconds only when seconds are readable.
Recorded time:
5.32
